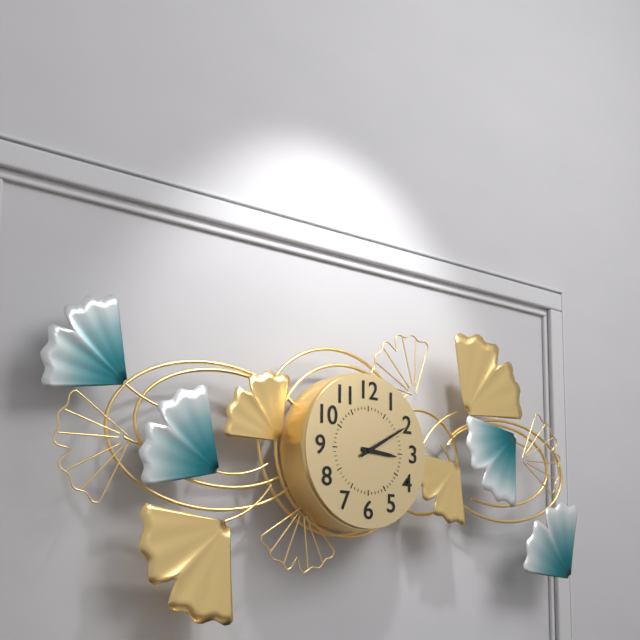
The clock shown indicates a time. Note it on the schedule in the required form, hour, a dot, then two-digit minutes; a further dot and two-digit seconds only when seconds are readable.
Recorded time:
3.10
